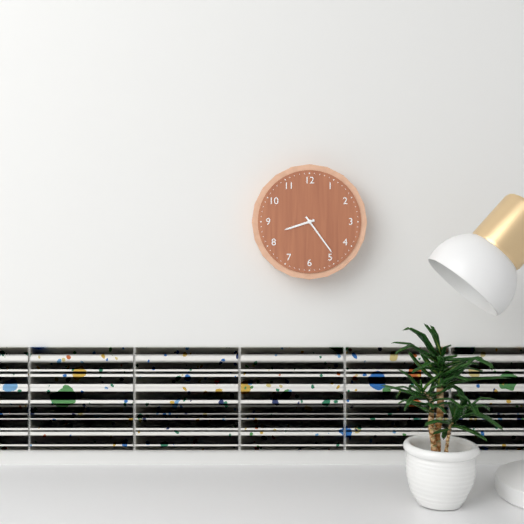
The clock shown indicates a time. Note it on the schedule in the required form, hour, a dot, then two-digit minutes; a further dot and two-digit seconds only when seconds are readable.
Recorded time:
8.24
